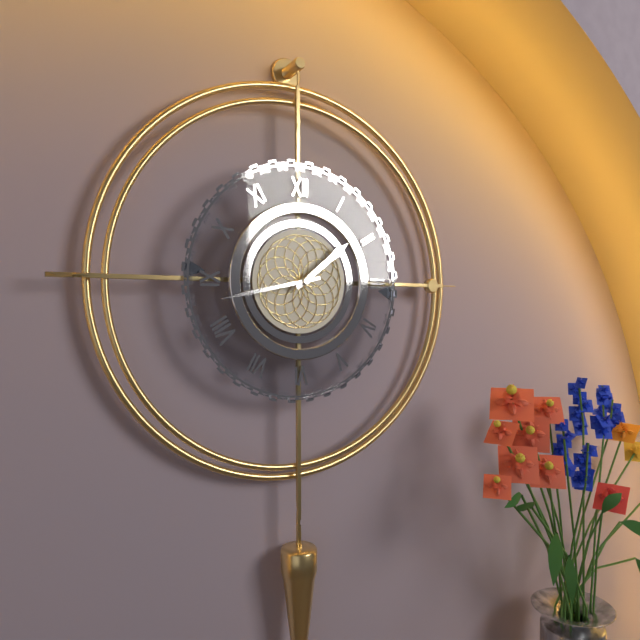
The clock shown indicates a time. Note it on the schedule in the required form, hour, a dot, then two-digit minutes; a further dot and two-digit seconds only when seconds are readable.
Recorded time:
1.43
